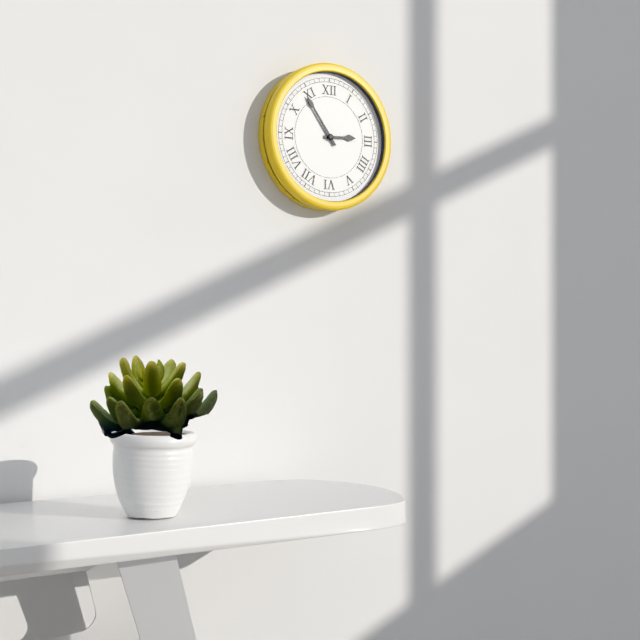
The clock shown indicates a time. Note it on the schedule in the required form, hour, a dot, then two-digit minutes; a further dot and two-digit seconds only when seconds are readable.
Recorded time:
2.54
